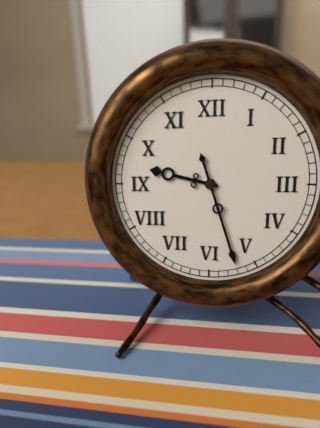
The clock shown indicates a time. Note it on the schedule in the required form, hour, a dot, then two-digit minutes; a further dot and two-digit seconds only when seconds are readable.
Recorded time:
9.27
